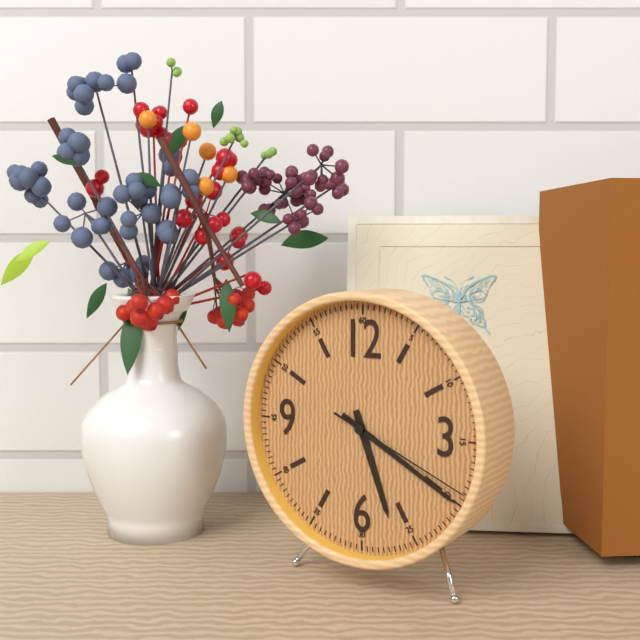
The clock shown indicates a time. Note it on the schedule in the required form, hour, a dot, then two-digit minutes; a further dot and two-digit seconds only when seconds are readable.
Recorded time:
5.20.19
